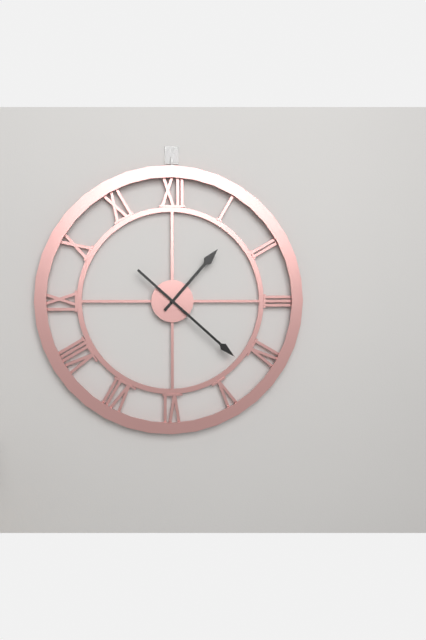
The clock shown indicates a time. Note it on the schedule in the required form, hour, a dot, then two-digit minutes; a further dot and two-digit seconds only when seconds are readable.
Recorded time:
1.22
